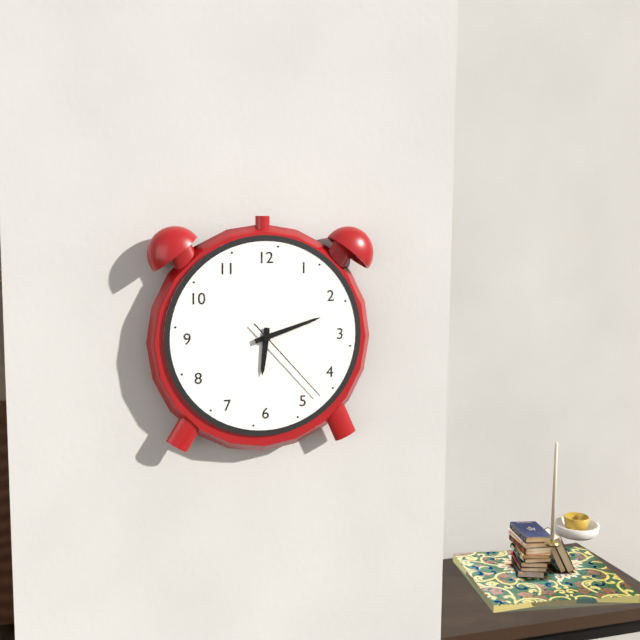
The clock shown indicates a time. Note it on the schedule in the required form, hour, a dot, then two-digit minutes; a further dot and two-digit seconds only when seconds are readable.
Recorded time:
6.12.23
